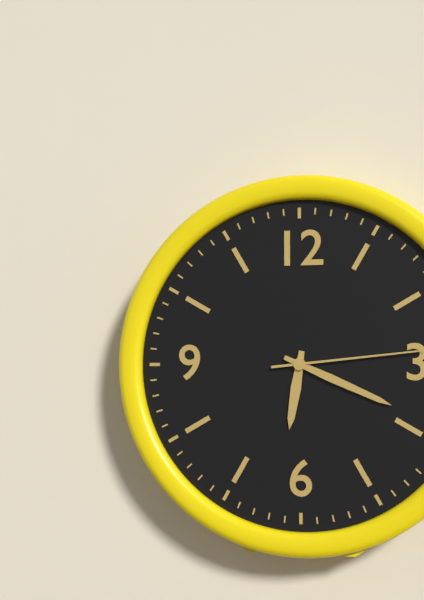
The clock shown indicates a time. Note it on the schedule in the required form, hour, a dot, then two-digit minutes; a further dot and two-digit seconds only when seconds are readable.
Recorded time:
6.19
